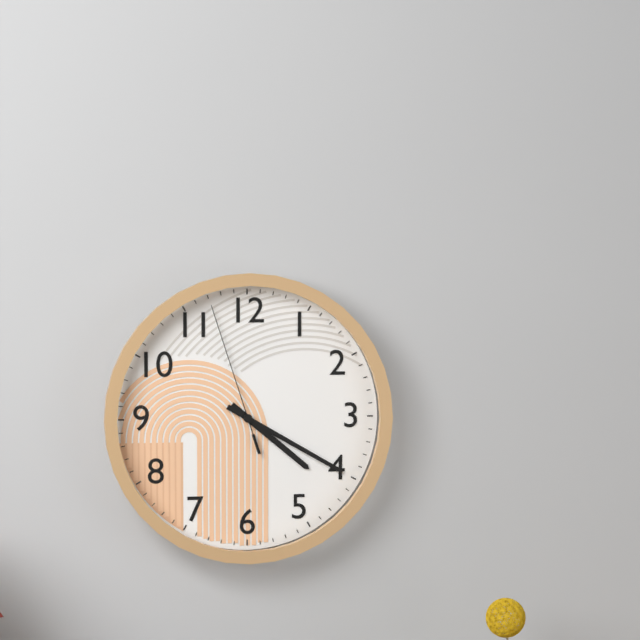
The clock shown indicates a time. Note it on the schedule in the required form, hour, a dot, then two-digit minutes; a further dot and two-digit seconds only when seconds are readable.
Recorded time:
4.20.57
